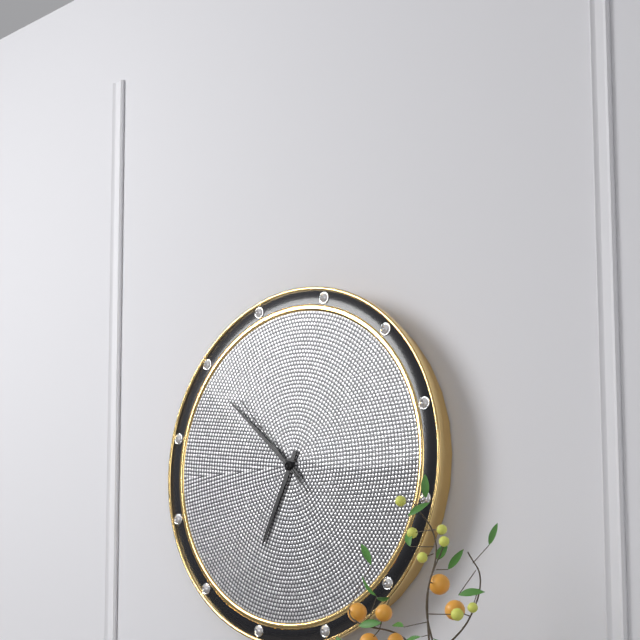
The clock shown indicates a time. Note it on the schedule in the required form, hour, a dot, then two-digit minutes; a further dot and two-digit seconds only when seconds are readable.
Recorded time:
6.52.53
